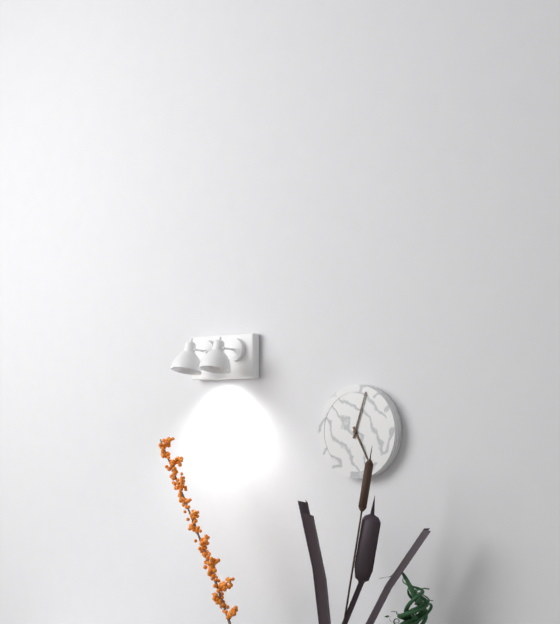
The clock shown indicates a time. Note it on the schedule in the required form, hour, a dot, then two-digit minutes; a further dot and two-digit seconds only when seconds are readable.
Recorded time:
5.03
